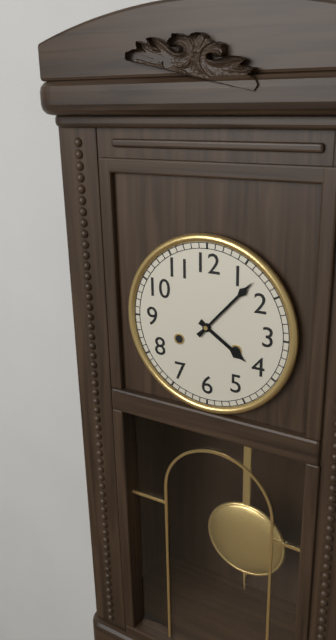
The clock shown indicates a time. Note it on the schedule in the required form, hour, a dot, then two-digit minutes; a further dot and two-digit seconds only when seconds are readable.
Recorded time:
4.07
